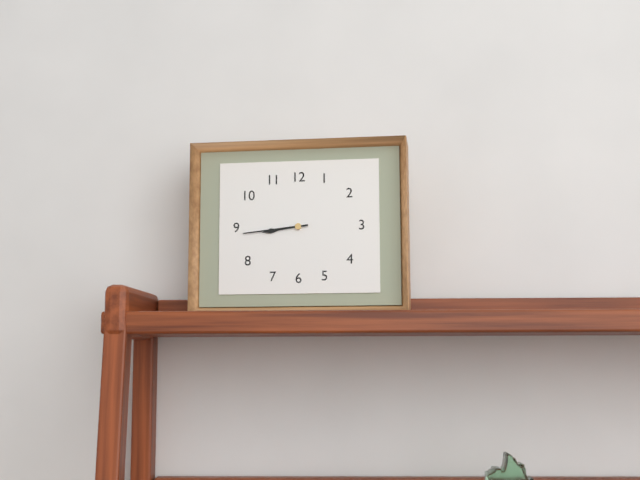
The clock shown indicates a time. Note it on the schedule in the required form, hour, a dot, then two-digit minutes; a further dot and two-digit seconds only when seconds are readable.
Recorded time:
8.44
